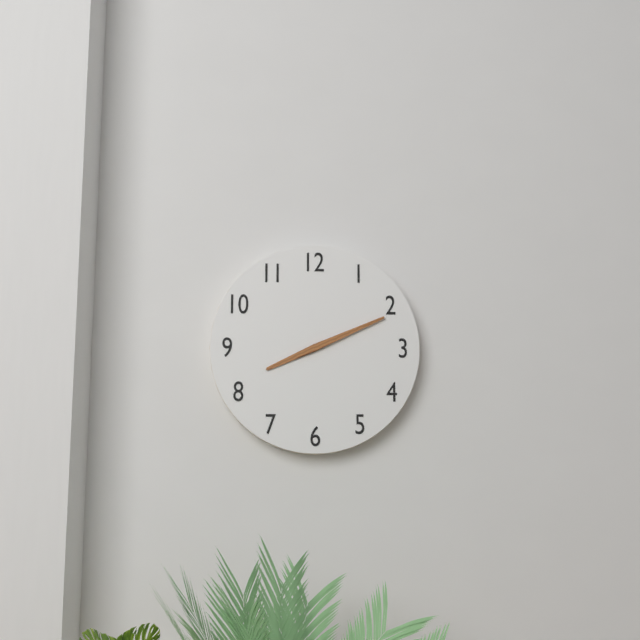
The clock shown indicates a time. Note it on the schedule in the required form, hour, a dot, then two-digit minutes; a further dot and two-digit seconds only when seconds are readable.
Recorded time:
8.11
